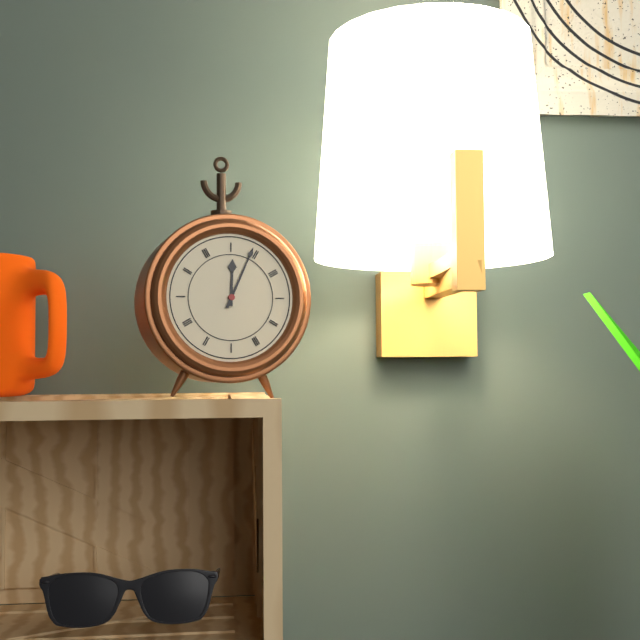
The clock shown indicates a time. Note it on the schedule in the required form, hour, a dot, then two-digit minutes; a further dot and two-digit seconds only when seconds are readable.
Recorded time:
12.04
